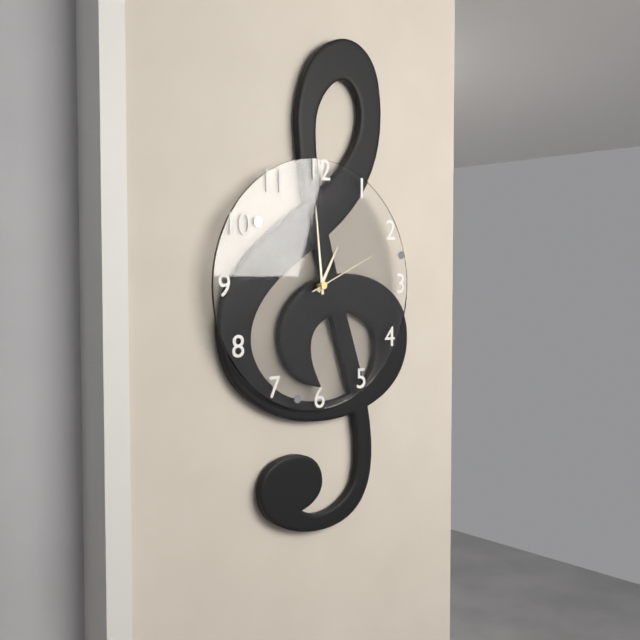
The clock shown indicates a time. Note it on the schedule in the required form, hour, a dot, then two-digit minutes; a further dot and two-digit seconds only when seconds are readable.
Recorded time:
12.59.11
